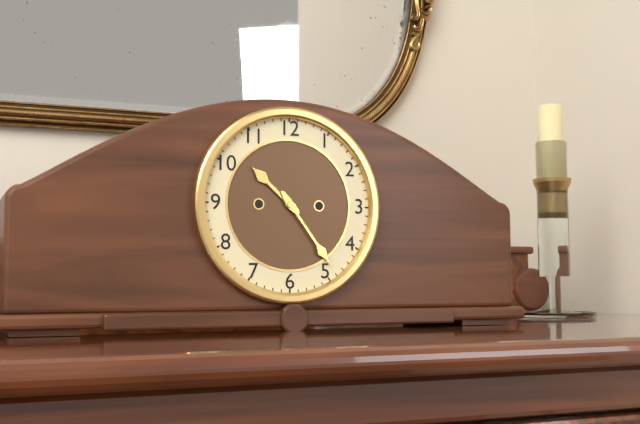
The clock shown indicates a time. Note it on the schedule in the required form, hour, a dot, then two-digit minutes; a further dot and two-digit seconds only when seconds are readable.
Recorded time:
10.24
